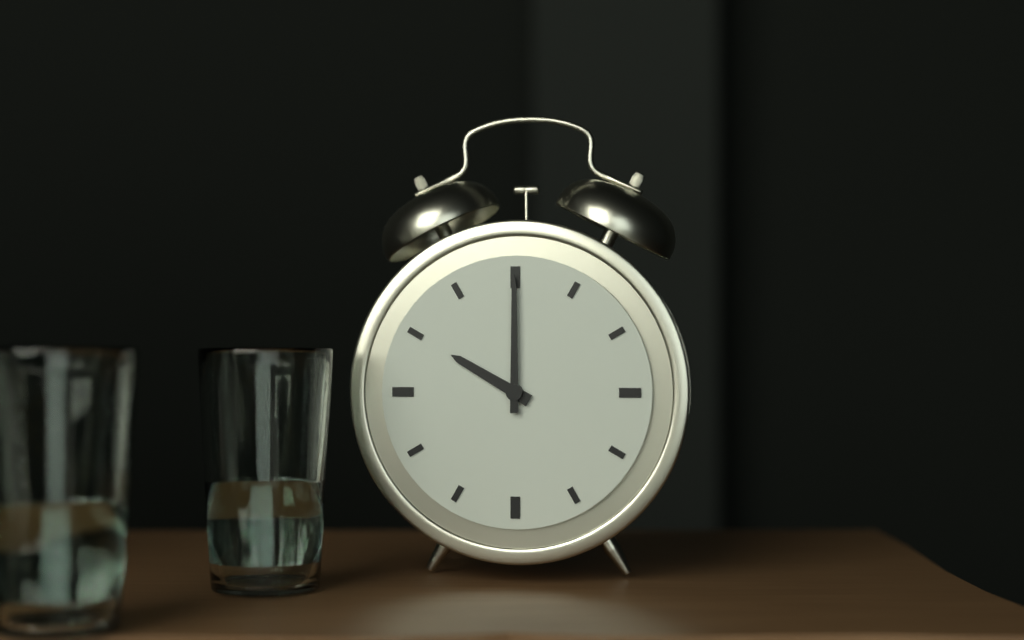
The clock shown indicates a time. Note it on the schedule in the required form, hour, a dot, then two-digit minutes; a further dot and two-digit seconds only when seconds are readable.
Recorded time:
10.00
